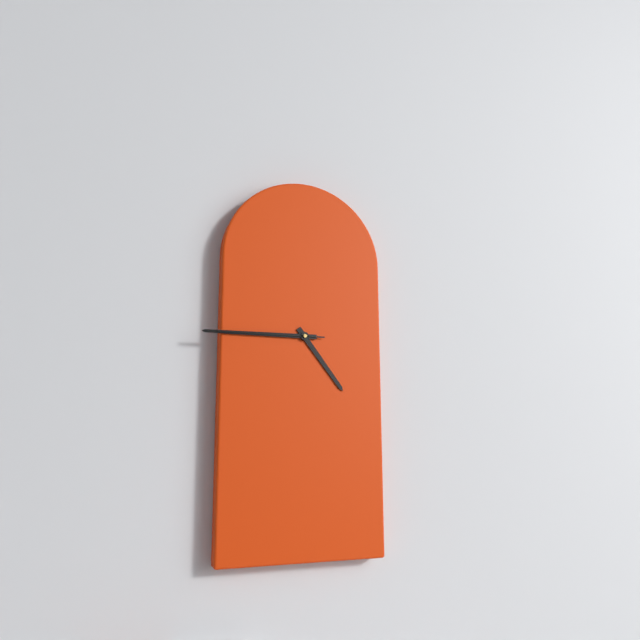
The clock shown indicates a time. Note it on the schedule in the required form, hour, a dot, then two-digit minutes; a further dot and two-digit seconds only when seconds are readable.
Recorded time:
4.45.45
